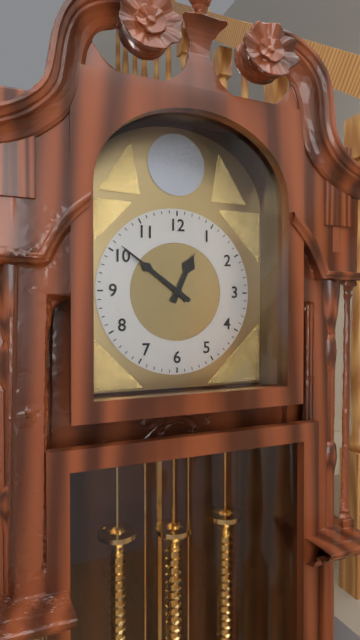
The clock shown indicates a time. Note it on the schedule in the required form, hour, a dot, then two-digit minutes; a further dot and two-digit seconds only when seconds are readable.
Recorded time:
12.51
